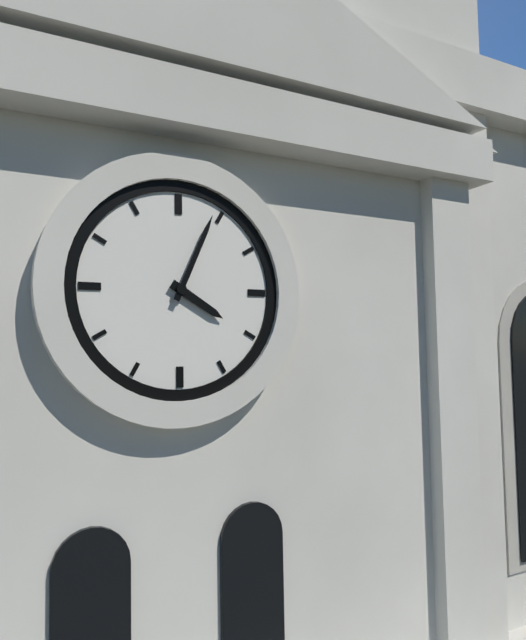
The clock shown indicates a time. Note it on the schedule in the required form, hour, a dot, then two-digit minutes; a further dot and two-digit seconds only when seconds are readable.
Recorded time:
4.04
